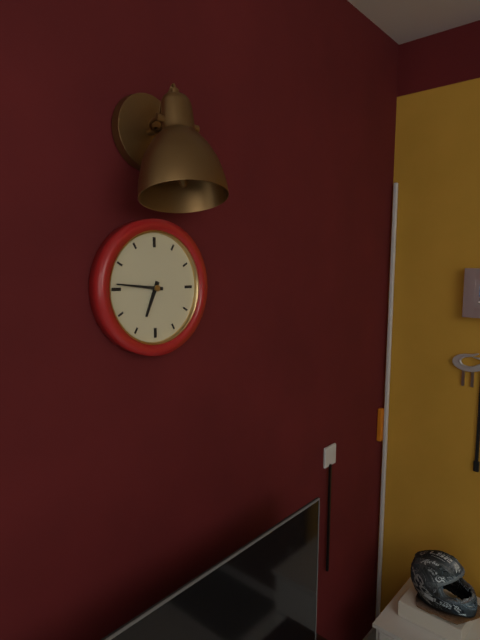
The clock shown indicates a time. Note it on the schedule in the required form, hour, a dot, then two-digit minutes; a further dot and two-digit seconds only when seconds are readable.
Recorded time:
6.46
